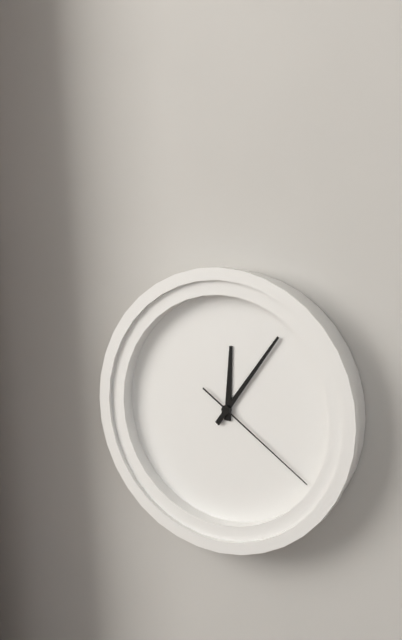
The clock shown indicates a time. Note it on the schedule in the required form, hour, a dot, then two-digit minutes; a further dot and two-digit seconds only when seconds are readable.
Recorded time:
12.06.21
